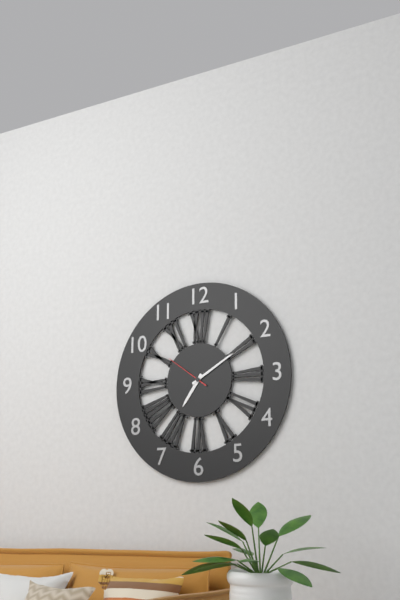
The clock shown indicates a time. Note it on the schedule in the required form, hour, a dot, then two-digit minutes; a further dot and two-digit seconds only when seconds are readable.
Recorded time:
7.10
